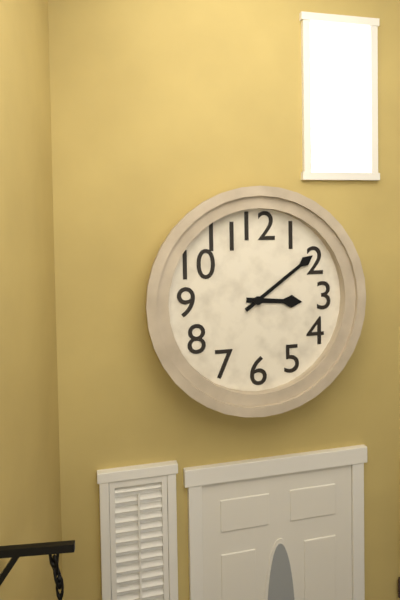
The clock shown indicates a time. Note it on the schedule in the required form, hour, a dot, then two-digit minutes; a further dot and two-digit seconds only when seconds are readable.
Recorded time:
3.09
